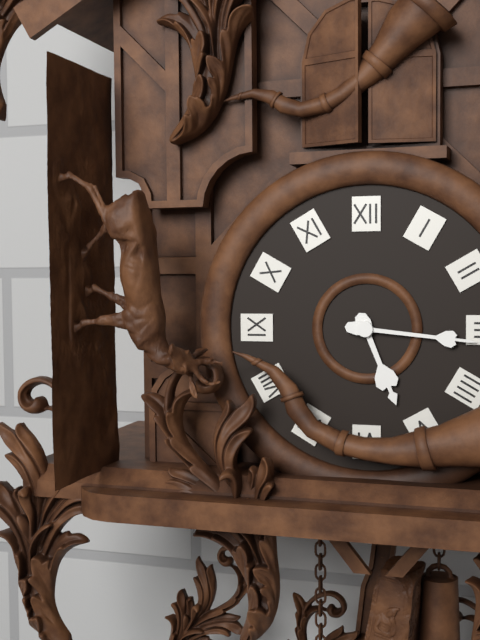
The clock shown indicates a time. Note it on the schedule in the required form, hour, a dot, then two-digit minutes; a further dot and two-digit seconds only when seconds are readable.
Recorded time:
5.16
